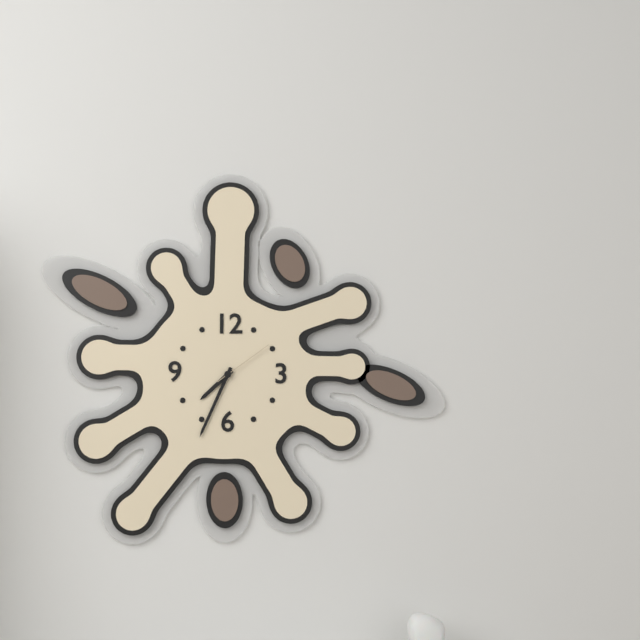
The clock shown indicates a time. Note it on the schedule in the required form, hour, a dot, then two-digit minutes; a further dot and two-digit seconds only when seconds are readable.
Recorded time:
7.34.09
